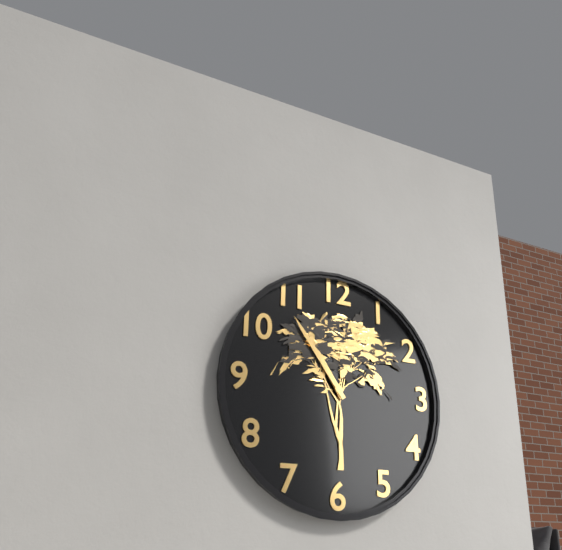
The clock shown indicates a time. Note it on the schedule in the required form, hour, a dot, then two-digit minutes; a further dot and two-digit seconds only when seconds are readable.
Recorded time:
10.54
